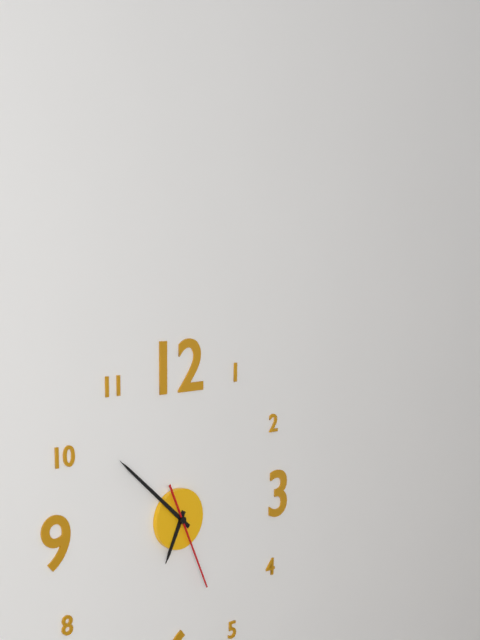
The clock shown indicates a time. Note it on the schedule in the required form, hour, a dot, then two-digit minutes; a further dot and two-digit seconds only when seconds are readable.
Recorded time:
6.52.26
